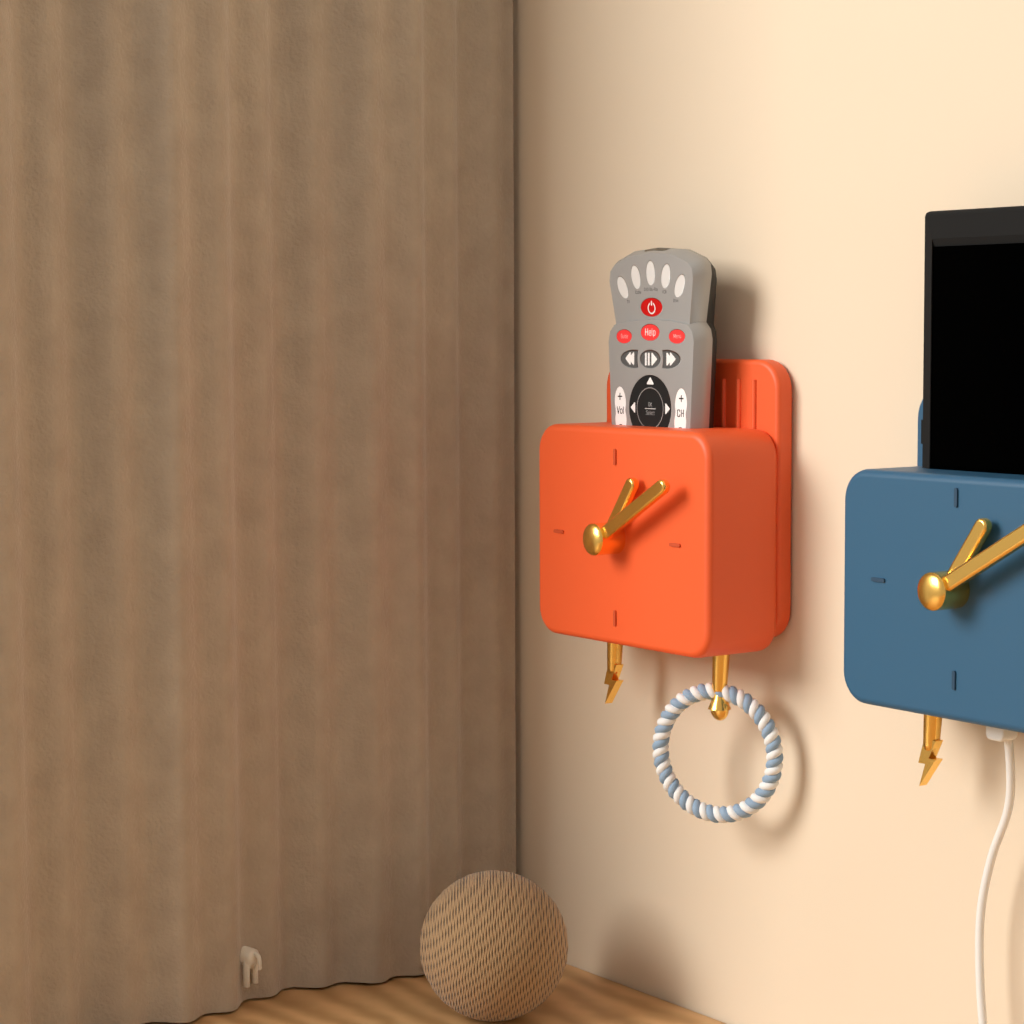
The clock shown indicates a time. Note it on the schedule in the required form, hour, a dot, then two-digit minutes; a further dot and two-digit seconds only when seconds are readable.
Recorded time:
1.10
